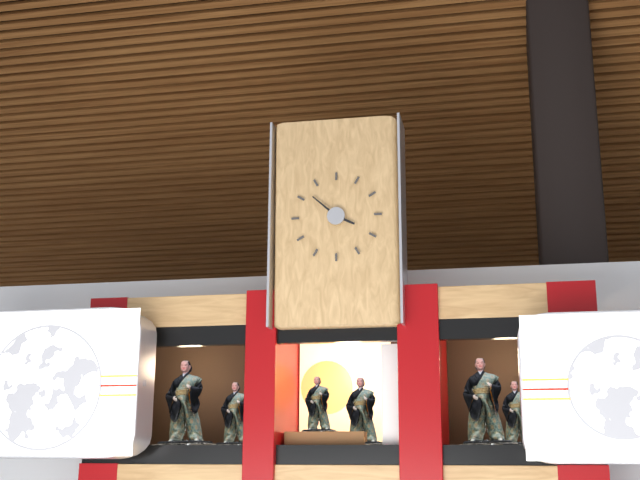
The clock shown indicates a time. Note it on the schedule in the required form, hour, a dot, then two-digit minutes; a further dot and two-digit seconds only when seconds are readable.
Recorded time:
3.52
